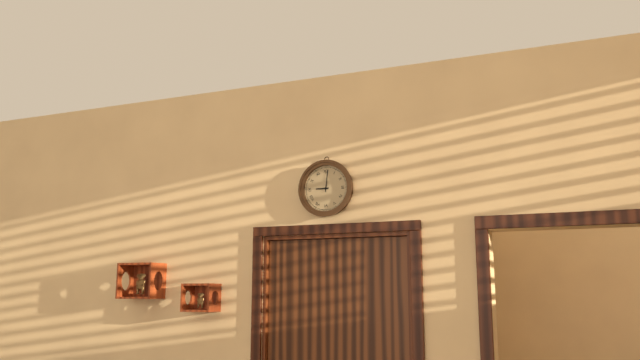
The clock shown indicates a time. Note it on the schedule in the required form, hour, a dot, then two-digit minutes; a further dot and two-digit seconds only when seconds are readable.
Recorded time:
9.01
